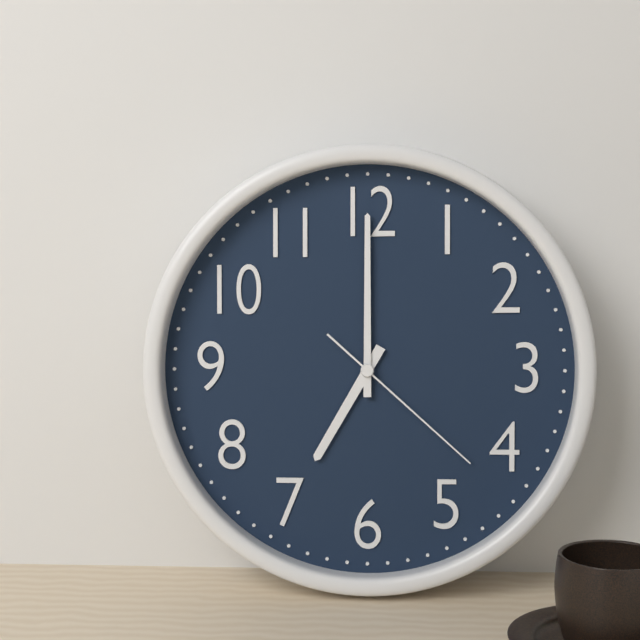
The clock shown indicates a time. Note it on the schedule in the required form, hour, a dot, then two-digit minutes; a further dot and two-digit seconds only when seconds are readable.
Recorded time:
7.00.22
